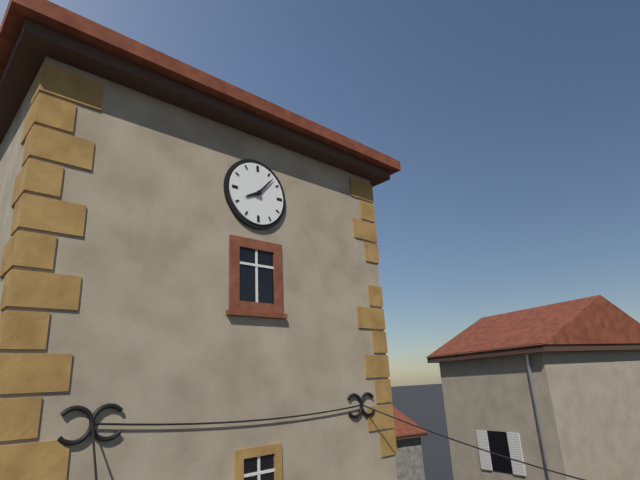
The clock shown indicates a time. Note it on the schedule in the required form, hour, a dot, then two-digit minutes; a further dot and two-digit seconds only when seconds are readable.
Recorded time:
8.07
